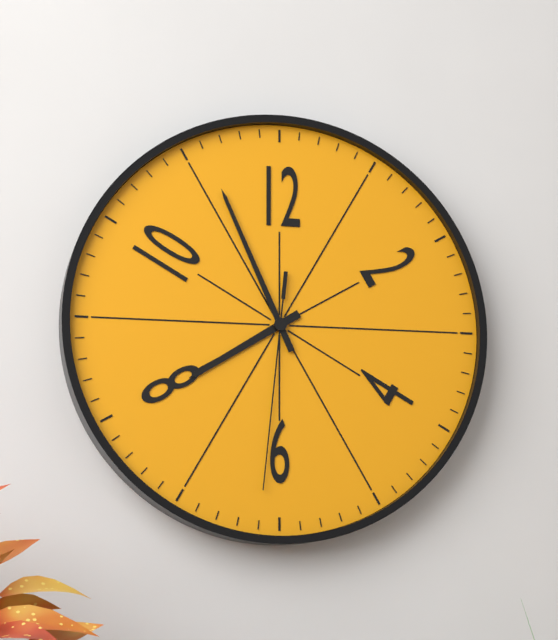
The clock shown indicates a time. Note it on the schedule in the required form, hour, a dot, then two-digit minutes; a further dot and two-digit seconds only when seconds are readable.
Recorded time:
7.56.31
